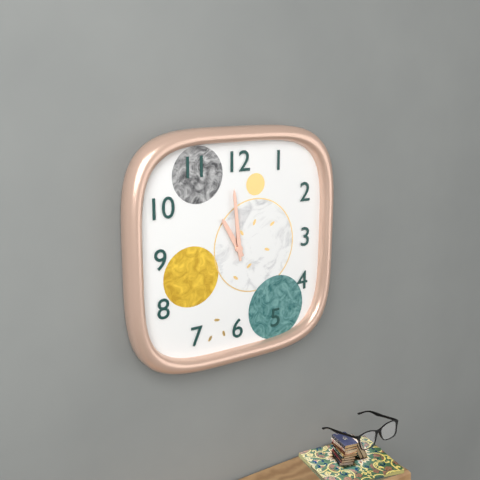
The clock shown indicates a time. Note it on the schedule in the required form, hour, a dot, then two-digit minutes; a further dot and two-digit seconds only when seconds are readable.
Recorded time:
10.59
